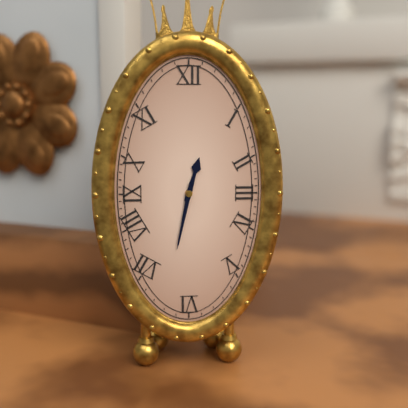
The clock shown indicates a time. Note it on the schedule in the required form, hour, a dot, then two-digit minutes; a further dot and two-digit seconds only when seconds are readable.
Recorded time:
12.32
